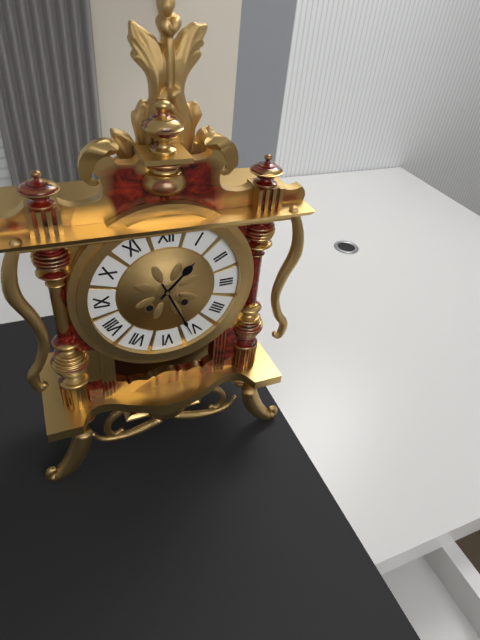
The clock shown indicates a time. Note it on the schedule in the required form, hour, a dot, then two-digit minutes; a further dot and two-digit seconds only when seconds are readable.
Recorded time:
1.26
